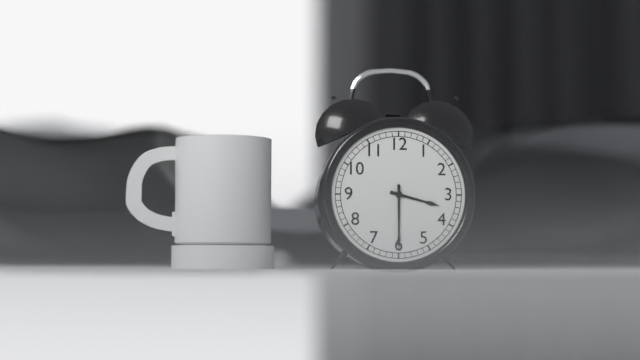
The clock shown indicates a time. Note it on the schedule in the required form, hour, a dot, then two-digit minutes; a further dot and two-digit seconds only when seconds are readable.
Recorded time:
3.30
